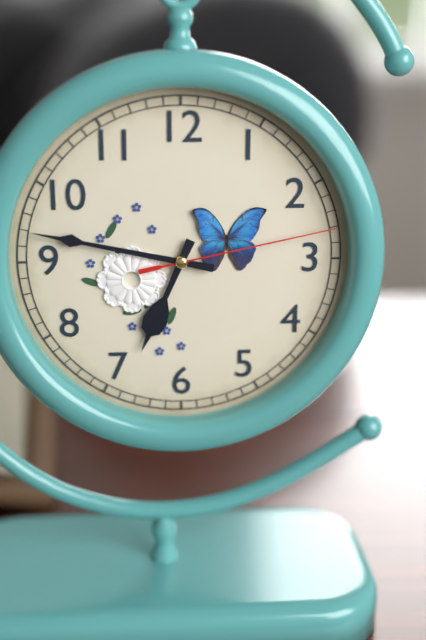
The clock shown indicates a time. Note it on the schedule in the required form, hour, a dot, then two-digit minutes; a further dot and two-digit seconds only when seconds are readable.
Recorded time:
6.47.13
